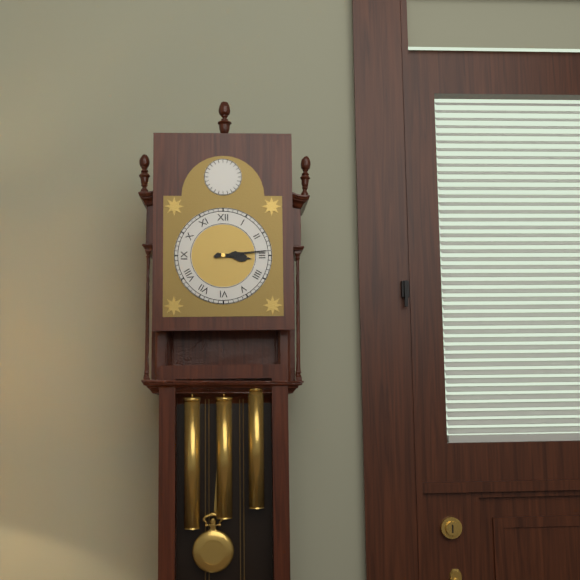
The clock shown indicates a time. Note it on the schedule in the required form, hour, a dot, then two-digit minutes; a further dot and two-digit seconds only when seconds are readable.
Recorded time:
3.14
